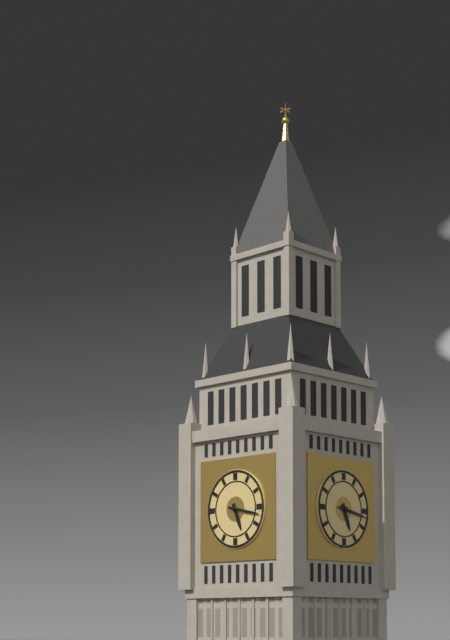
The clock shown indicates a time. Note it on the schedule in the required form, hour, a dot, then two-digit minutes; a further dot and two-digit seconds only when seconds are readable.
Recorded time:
5.17
